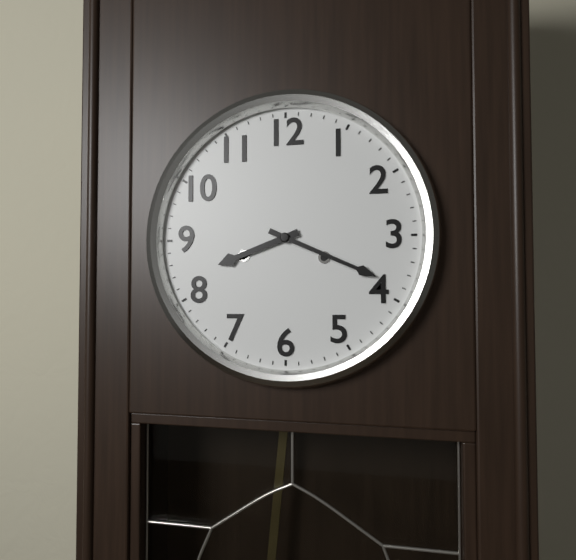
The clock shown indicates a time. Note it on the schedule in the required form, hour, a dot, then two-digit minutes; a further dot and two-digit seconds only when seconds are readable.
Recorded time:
8.19
